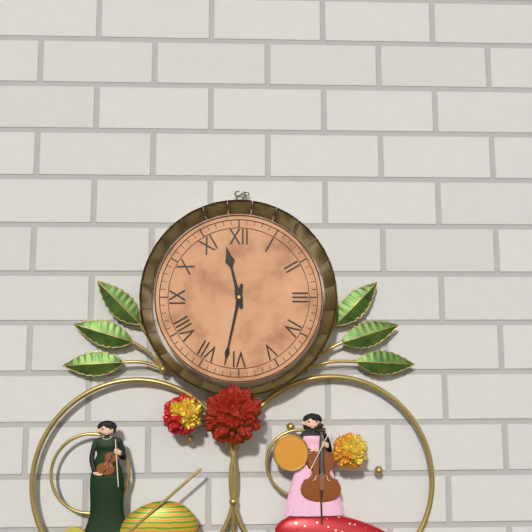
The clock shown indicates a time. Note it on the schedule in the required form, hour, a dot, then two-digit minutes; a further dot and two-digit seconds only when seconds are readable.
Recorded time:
11.32
